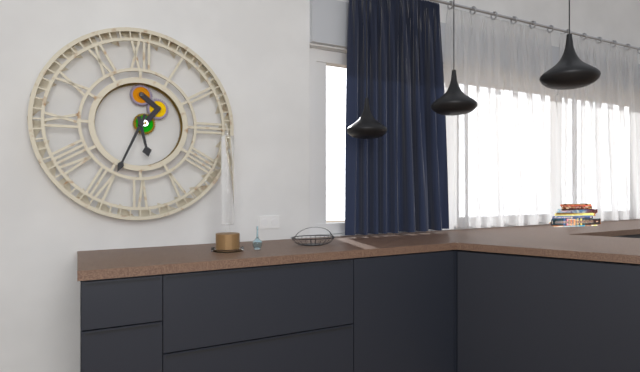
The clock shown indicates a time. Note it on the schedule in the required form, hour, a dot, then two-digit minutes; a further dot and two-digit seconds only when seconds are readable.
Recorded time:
5.34
